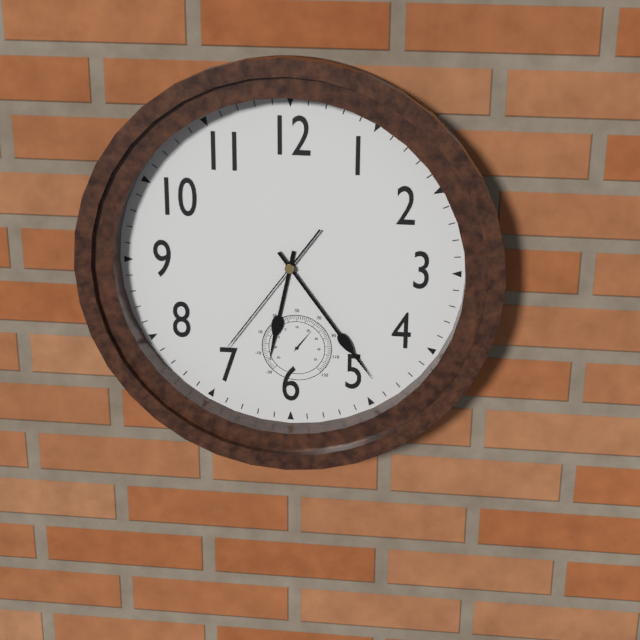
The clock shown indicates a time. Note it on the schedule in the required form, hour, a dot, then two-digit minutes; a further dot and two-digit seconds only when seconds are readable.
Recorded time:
6.24.36
